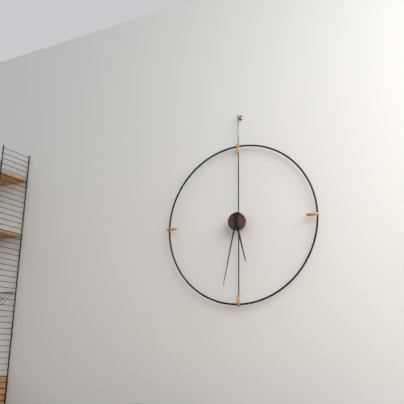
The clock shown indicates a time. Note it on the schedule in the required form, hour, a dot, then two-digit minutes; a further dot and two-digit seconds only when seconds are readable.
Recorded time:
5.32
